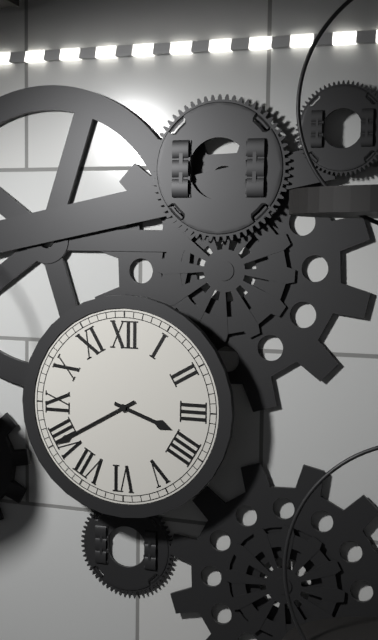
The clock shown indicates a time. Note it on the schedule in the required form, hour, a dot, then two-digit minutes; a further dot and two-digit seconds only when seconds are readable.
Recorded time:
3.40
